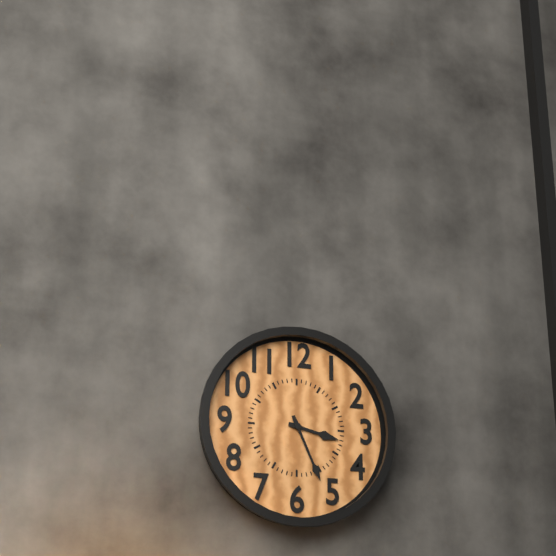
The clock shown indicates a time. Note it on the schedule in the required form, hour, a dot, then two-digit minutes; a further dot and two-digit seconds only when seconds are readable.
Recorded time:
3.26
